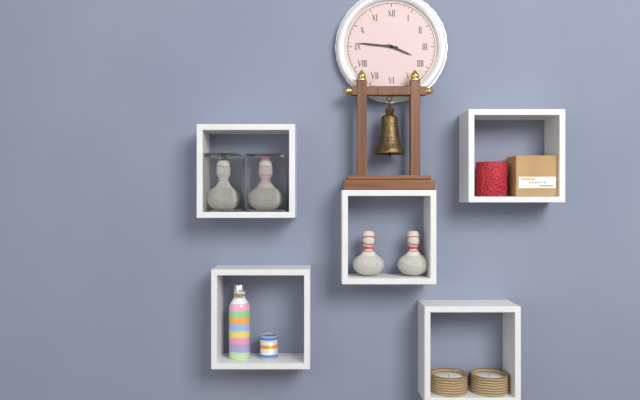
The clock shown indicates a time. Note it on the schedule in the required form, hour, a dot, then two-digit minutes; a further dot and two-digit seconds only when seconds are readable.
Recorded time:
3.46
